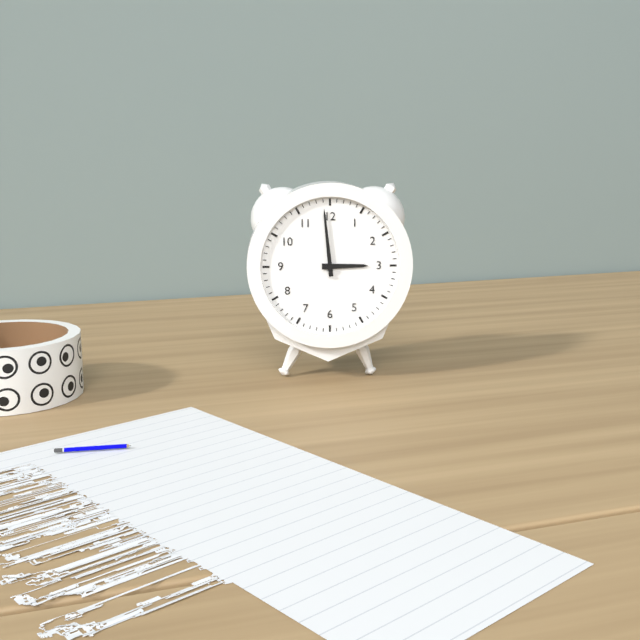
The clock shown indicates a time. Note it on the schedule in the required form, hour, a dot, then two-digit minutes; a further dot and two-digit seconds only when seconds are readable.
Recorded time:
2.59
